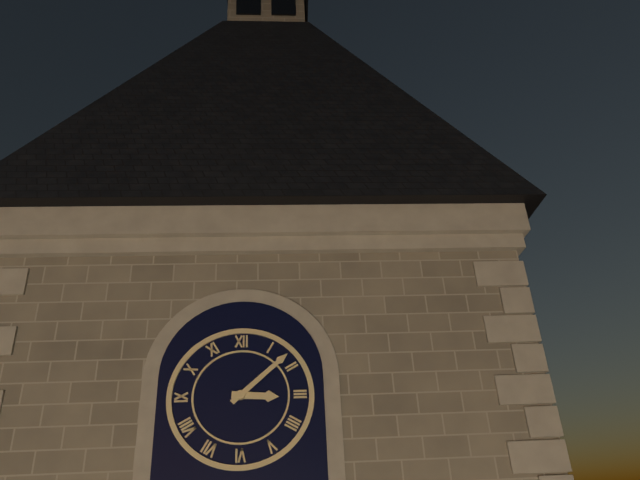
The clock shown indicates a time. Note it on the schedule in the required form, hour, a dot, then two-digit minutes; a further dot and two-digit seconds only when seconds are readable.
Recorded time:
3.08
